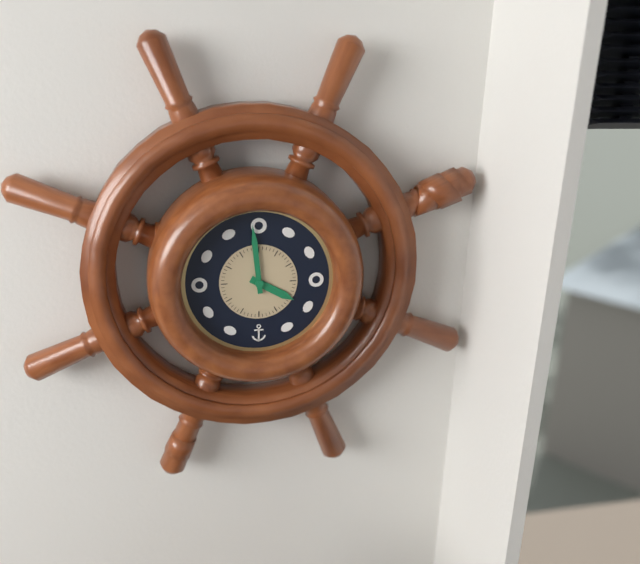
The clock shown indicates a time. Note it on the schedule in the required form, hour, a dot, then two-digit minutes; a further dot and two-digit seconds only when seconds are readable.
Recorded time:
3.59
